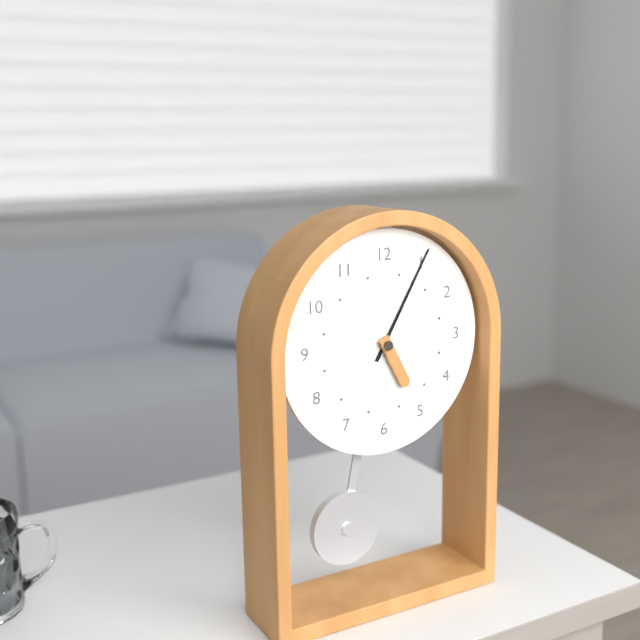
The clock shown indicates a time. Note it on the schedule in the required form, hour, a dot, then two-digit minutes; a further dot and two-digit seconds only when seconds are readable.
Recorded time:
5.05
